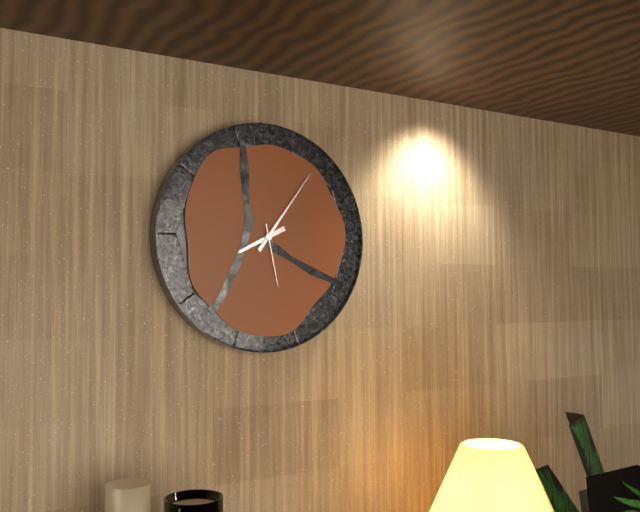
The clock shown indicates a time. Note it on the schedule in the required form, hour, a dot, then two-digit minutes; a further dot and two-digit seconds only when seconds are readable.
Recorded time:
8.06.28
